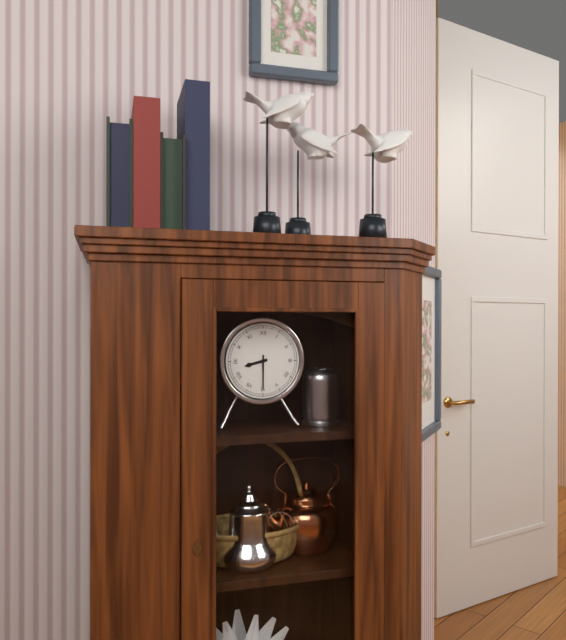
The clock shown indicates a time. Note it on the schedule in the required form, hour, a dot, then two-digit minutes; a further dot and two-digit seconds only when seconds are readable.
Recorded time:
8.30
